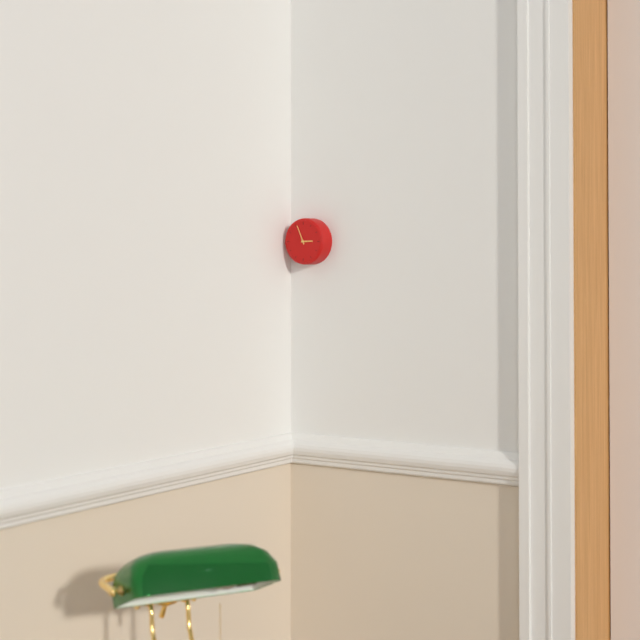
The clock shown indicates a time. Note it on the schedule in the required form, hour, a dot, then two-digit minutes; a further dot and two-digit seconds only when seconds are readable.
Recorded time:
2.56
